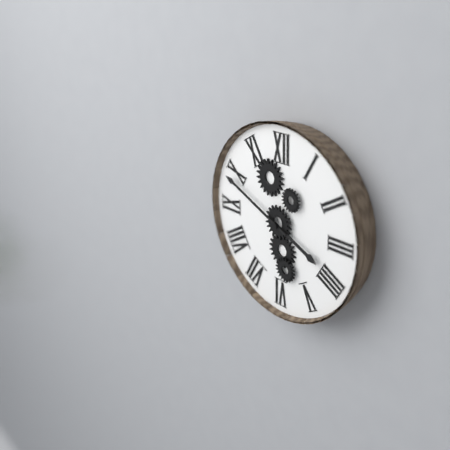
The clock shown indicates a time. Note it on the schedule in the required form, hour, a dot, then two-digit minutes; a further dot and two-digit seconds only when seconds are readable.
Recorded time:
3.49
